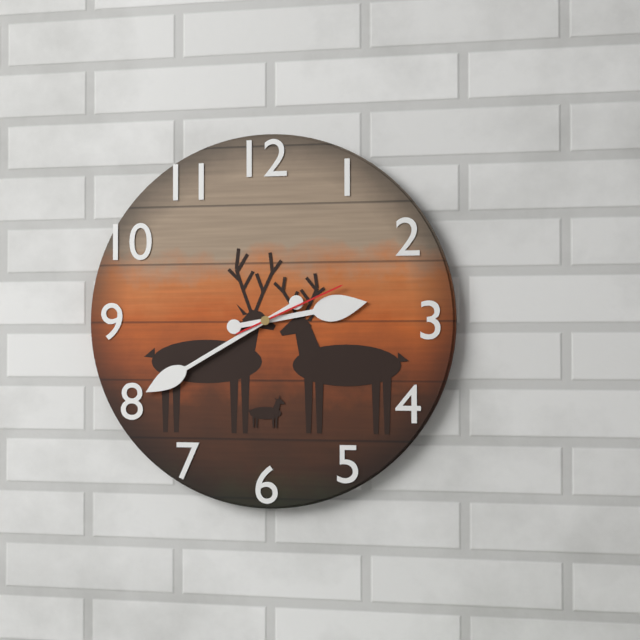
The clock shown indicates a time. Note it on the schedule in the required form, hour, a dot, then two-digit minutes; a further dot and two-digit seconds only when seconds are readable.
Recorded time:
2.40.11
